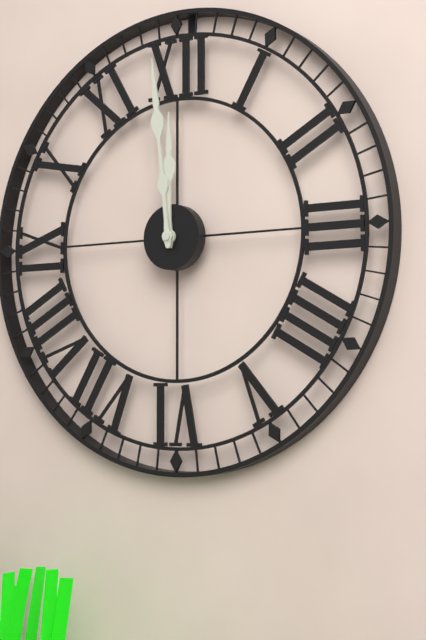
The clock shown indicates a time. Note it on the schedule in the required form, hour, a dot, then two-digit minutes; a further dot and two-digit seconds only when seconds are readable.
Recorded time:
11.59
